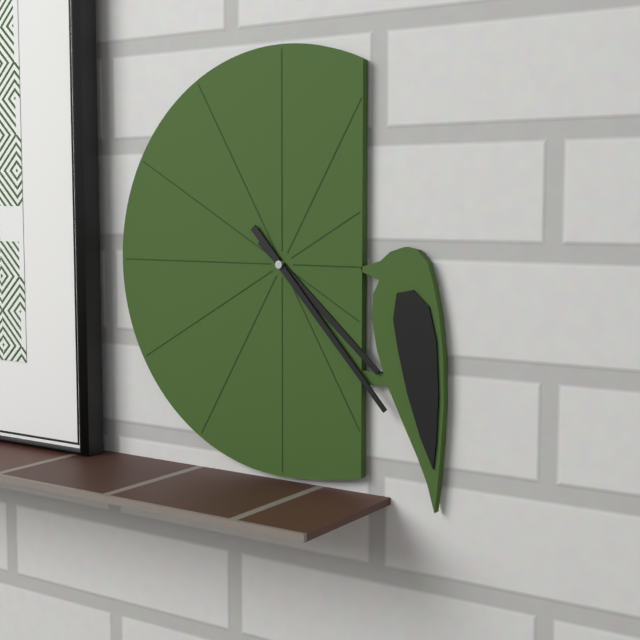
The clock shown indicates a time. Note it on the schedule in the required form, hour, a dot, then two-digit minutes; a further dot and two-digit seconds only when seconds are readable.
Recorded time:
4.23
